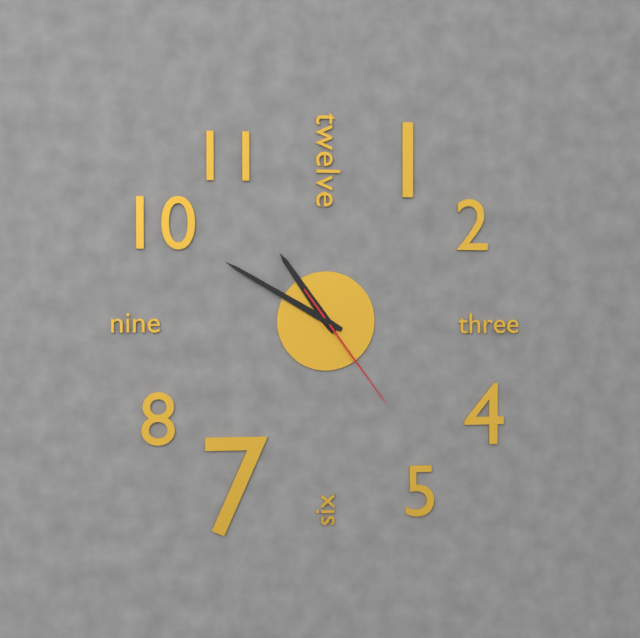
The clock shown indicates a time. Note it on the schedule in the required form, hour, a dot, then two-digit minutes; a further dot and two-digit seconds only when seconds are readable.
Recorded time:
10.50.24
